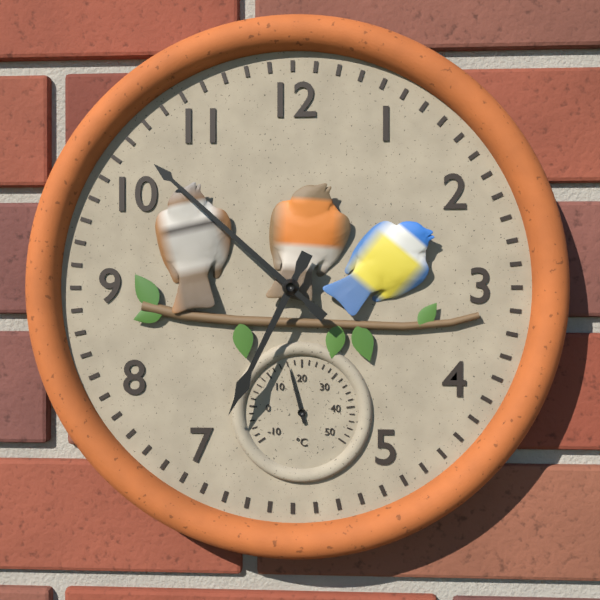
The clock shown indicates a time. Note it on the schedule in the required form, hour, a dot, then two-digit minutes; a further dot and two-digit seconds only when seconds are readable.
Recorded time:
6.52
